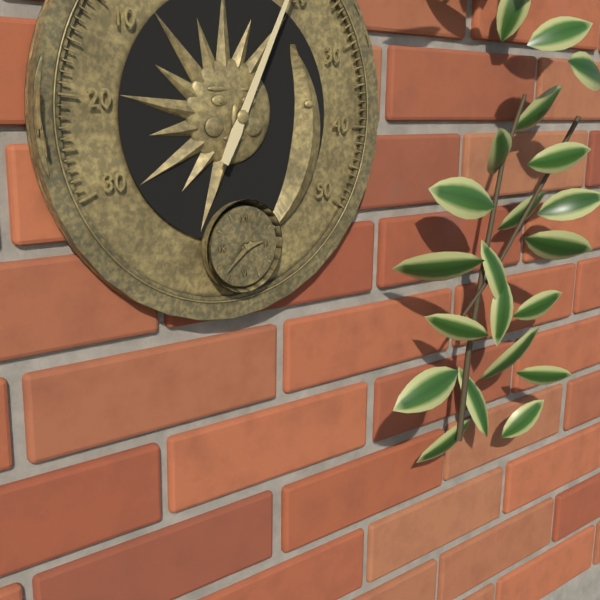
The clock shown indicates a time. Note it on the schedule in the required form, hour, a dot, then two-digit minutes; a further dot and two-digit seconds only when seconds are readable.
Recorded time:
2.38
